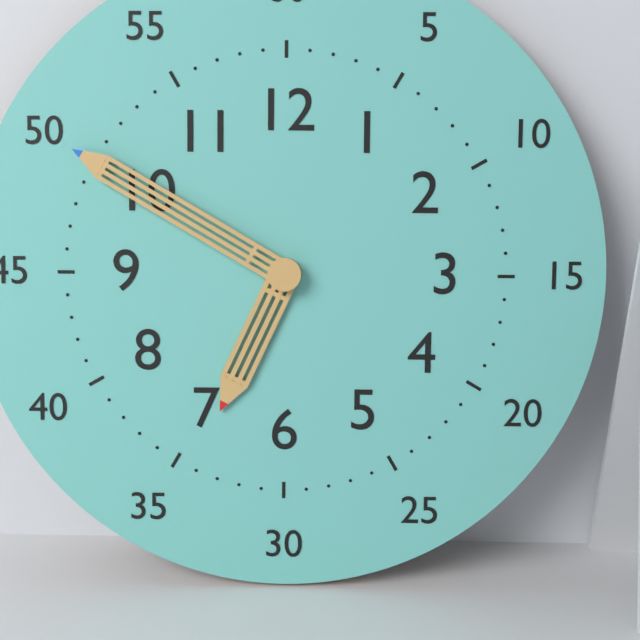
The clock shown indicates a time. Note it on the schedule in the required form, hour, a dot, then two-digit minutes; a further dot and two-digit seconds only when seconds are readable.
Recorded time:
6.50
